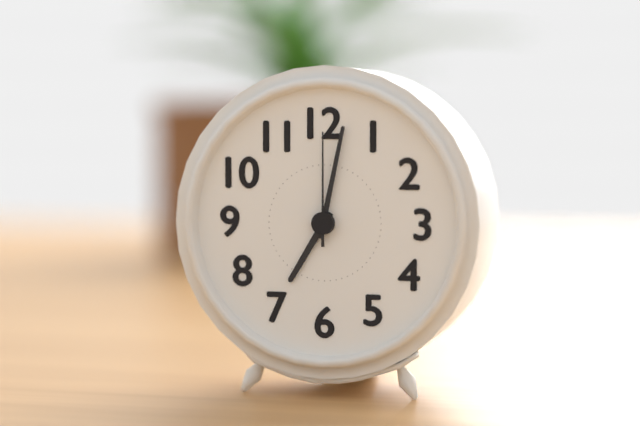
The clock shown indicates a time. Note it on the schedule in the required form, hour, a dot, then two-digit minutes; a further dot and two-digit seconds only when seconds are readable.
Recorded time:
7.02.00
